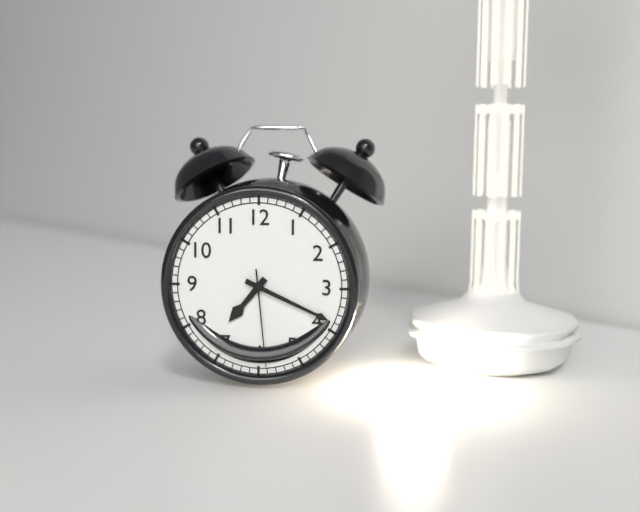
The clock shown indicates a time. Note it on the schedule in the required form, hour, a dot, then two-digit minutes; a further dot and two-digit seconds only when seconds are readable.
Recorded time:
7.19.29
